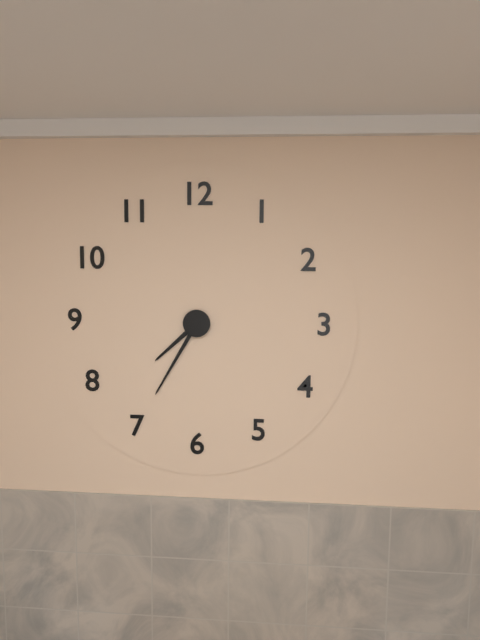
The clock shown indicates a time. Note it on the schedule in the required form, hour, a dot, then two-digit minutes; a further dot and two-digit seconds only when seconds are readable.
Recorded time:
7.35
